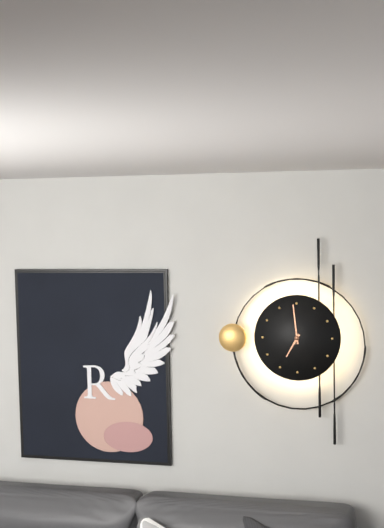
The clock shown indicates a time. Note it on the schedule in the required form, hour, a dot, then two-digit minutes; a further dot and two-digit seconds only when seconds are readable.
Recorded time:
6.59
